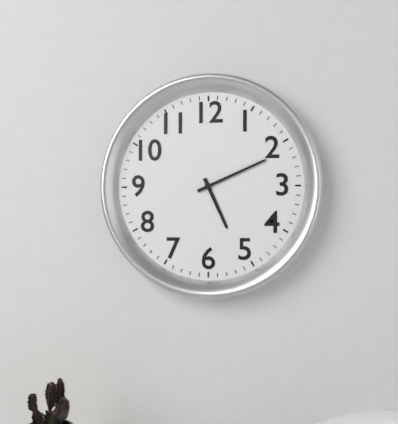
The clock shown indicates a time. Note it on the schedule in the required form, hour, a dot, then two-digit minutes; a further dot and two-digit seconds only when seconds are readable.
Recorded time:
5.11
